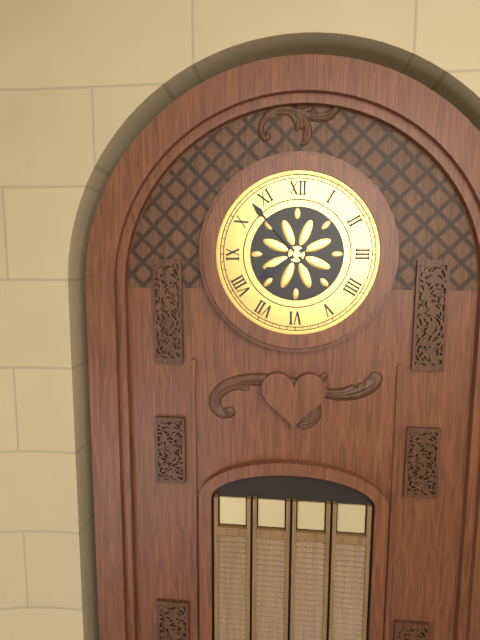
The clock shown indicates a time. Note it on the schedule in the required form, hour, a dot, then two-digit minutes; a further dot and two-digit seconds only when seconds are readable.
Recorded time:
7.53
